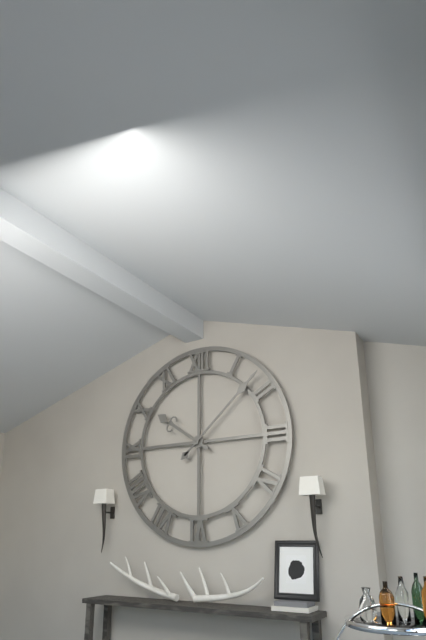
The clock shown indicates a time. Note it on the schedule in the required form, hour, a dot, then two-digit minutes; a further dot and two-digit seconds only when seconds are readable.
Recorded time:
10.08
